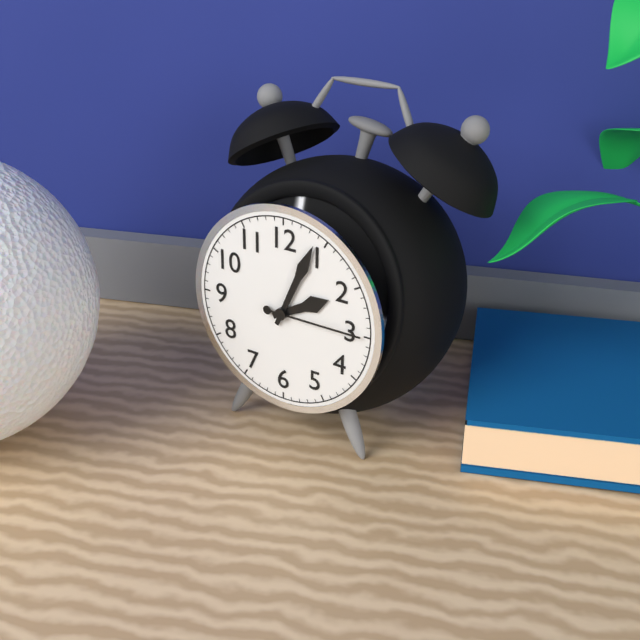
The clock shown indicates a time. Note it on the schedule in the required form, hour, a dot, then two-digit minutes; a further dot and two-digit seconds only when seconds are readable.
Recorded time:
2.04.15
